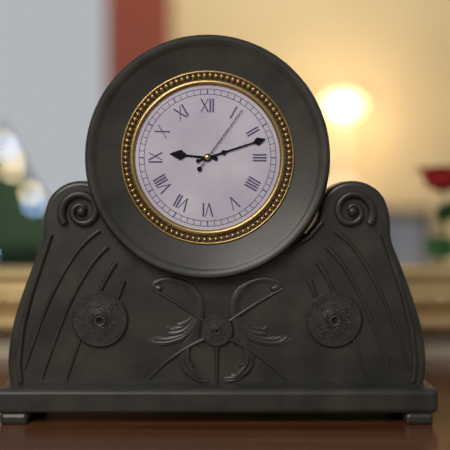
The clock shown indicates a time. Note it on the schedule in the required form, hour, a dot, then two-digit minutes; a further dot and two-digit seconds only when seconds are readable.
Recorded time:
9.12.06
